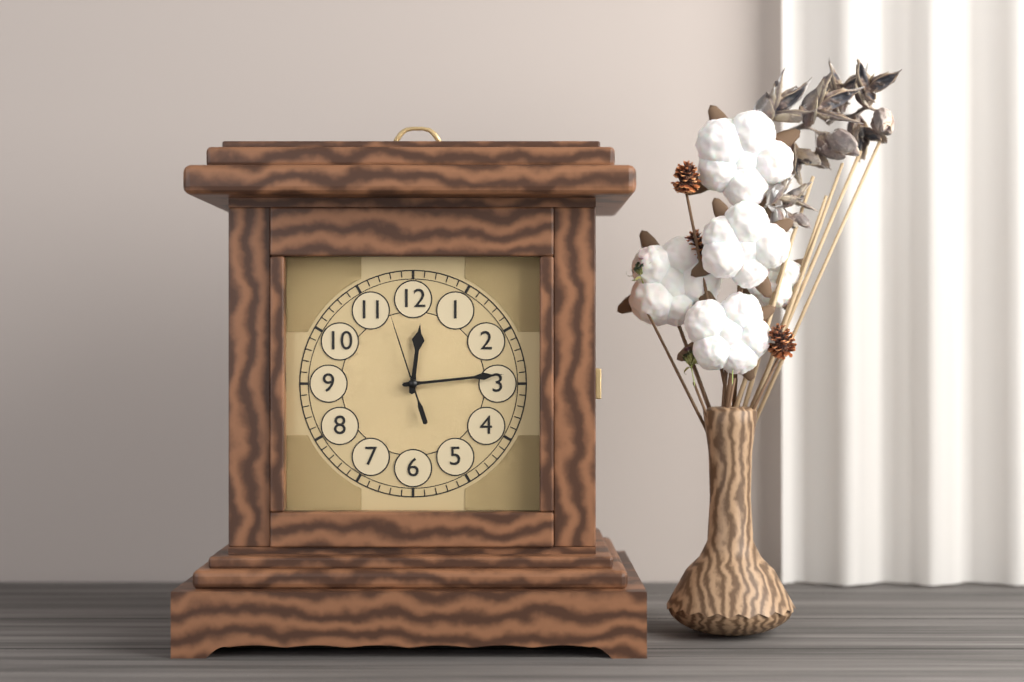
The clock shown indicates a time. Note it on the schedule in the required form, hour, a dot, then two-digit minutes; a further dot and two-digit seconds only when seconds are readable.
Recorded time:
12.14.57
